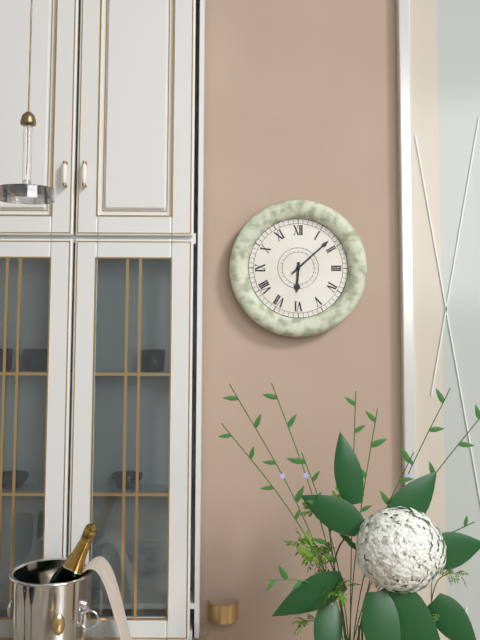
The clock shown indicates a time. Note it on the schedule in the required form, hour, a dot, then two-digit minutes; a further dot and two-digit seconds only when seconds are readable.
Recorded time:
6.08
